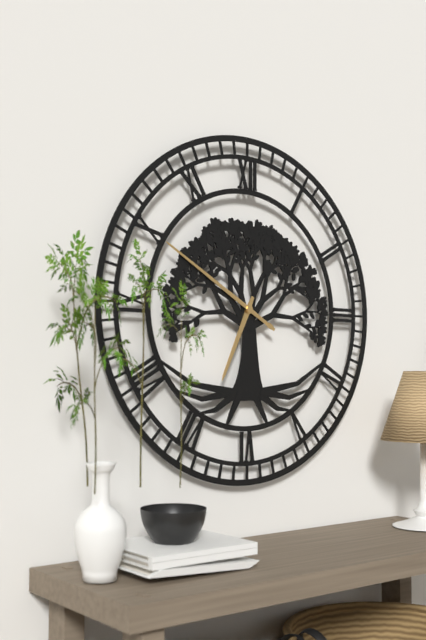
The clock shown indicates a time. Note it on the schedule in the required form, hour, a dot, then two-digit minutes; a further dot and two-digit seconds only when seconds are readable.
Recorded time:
6.50
